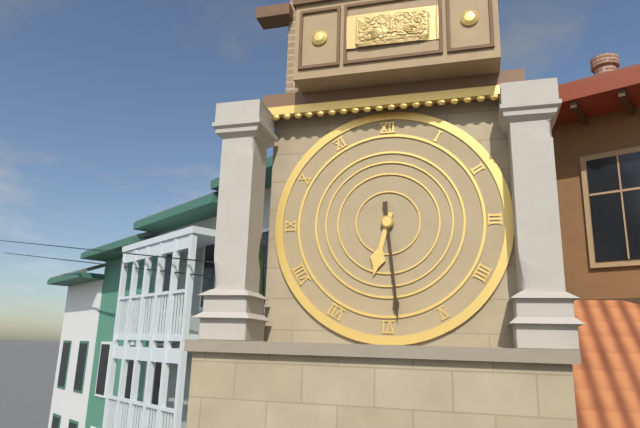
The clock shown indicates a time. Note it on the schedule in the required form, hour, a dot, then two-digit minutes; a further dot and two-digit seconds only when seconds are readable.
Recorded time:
6.29
